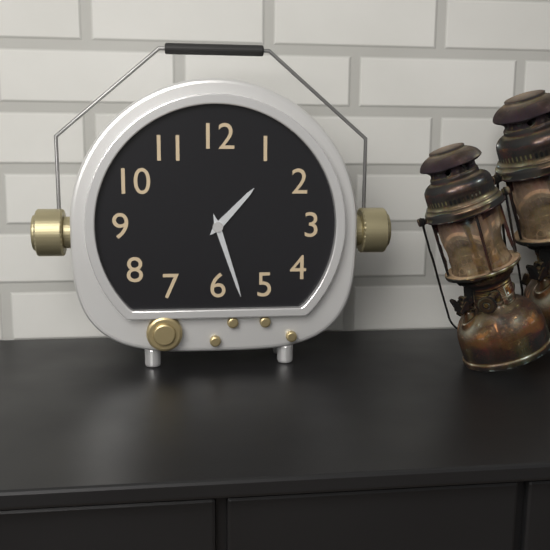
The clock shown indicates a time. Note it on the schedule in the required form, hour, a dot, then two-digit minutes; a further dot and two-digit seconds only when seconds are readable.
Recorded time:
1.27
